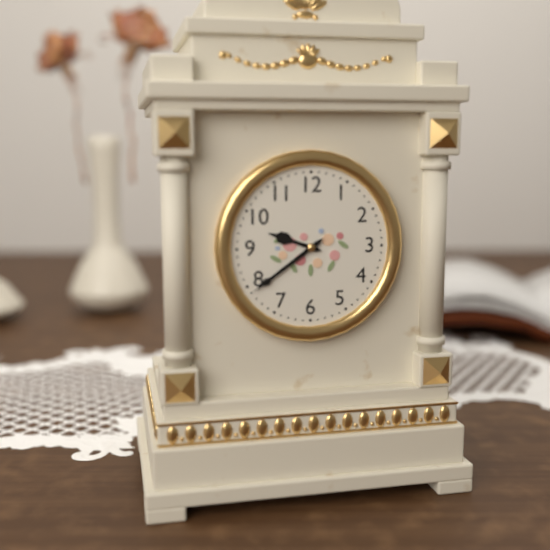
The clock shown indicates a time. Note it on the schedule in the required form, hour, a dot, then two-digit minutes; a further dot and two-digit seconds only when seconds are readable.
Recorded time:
9.39
